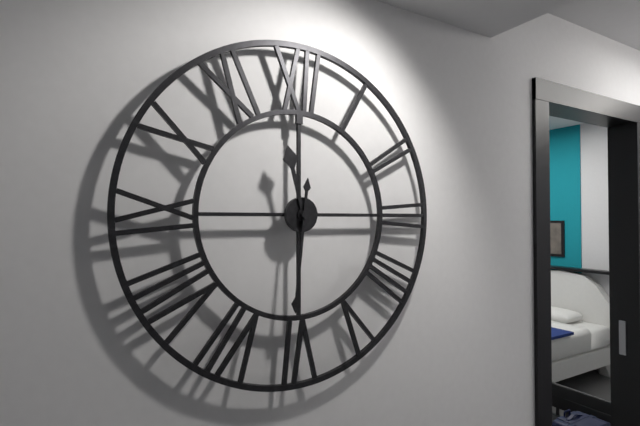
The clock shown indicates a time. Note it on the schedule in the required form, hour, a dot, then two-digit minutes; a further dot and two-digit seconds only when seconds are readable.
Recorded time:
11.31
